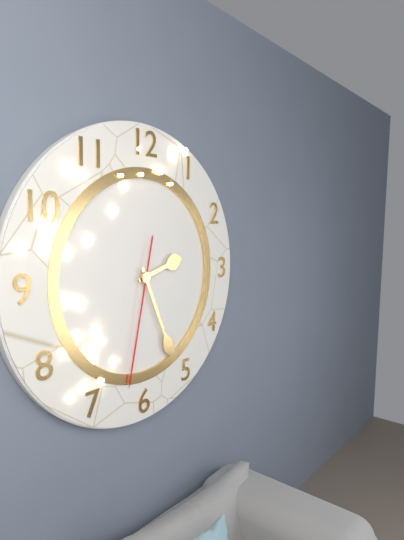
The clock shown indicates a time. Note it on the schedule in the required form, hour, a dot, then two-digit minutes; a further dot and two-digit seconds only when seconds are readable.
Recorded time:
2.26.32
